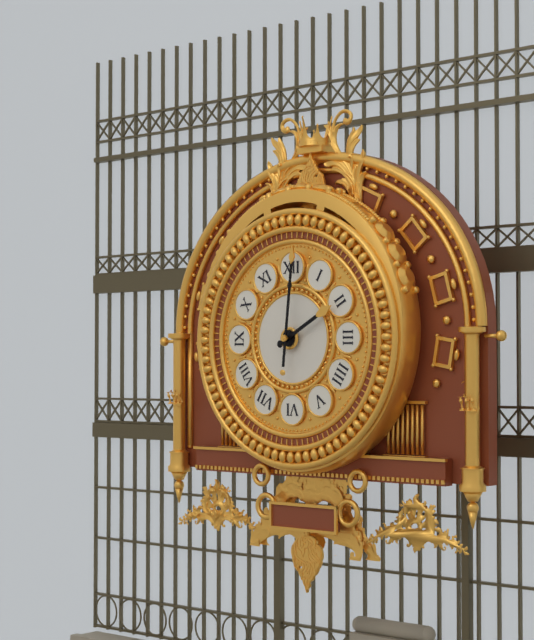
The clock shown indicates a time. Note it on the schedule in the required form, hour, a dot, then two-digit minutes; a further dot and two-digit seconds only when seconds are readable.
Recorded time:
2.01
